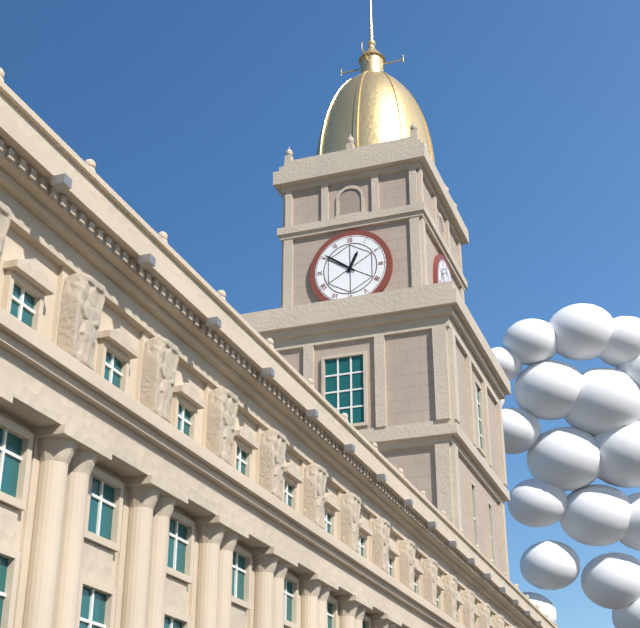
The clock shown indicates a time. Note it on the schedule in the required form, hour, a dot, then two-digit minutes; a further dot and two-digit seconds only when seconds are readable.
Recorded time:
12.51
